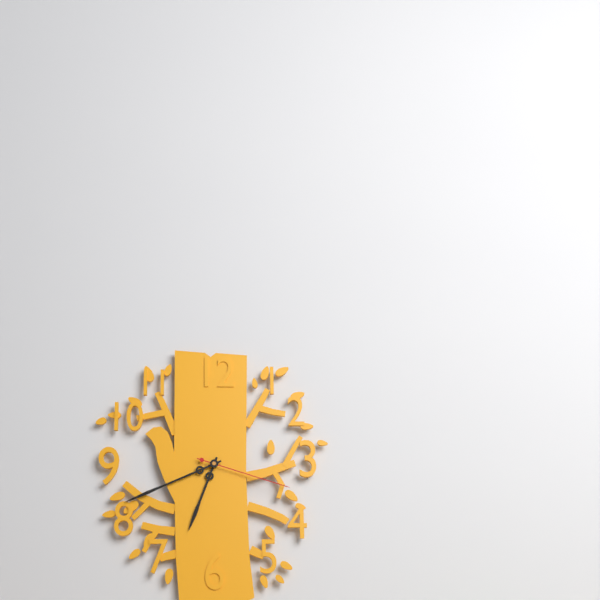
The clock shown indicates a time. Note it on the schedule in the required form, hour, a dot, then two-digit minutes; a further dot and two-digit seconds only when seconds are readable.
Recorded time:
6.41.18
